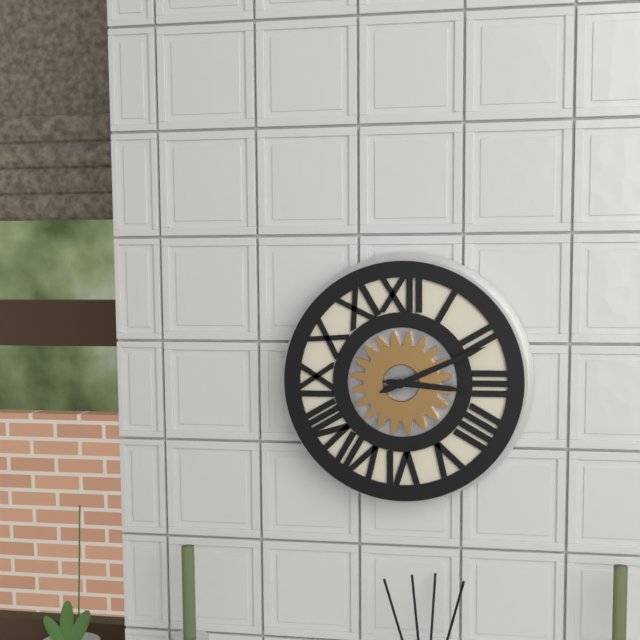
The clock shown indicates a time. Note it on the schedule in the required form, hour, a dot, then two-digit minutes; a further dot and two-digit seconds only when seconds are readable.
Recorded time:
3.11
